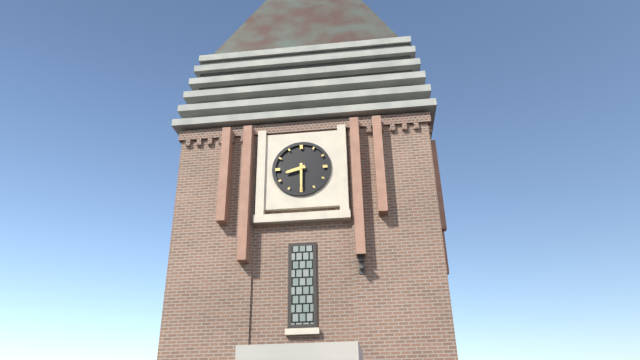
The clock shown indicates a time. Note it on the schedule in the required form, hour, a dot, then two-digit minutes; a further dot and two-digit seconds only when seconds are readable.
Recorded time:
8.30
